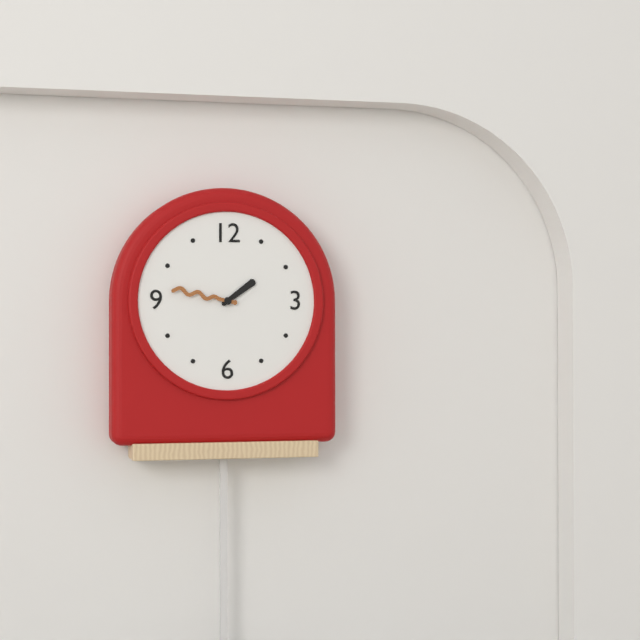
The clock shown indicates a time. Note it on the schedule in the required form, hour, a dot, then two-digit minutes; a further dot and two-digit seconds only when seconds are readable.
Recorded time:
1.47
